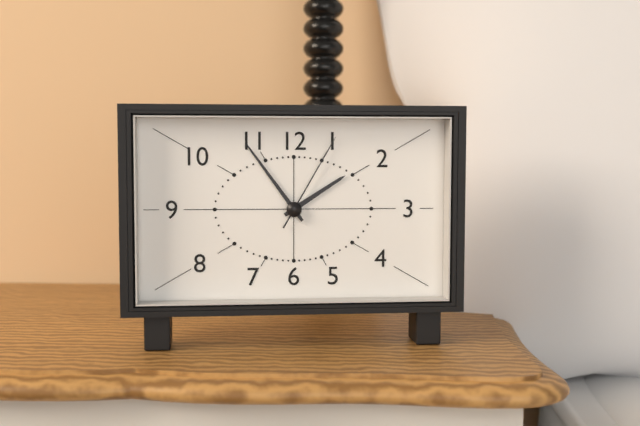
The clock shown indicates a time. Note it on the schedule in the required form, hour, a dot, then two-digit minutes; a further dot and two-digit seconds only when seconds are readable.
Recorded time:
1.54.05
